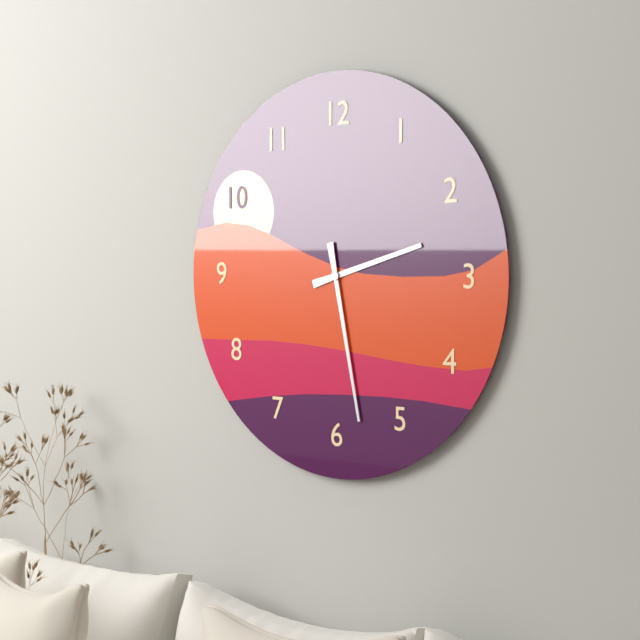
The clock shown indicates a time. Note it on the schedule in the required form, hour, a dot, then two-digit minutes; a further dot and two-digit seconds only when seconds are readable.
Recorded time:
2.28
